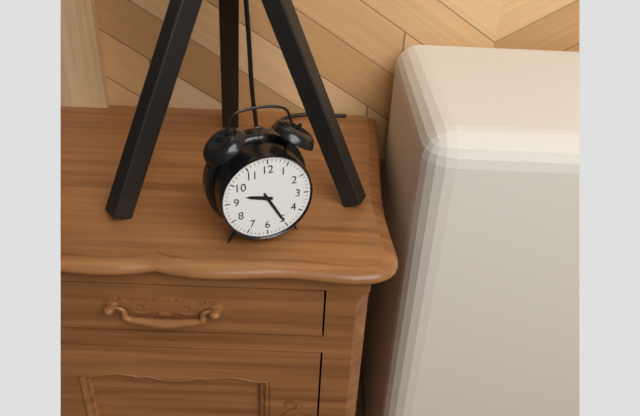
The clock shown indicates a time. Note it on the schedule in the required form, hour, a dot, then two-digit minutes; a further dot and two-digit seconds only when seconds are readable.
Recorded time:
9.25
